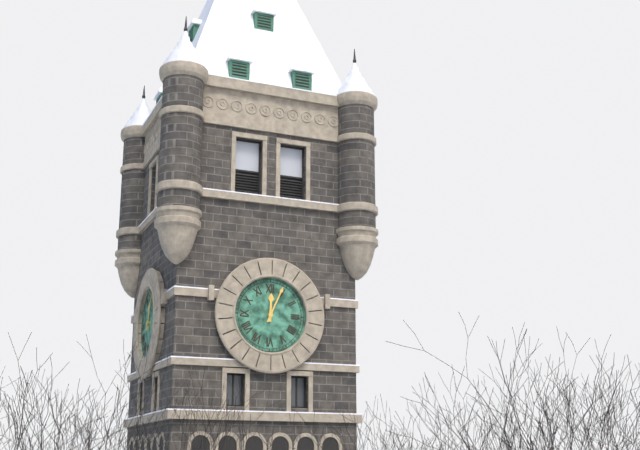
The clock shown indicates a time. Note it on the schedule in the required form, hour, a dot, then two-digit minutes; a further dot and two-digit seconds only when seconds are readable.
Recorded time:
12.04
